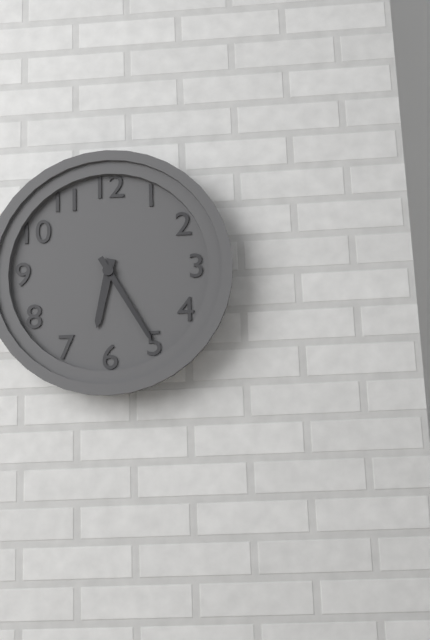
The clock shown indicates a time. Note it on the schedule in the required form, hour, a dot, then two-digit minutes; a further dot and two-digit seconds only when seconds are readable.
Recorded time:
6.25
